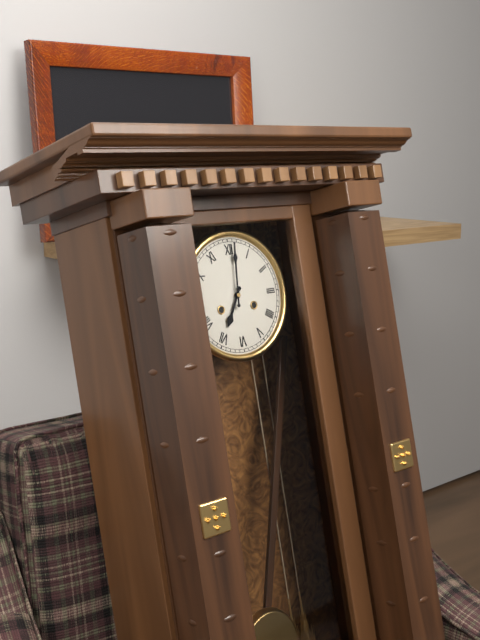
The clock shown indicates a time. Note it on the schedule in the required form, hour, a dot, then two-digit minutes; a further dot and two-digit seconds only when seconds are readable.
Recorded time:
7.01
